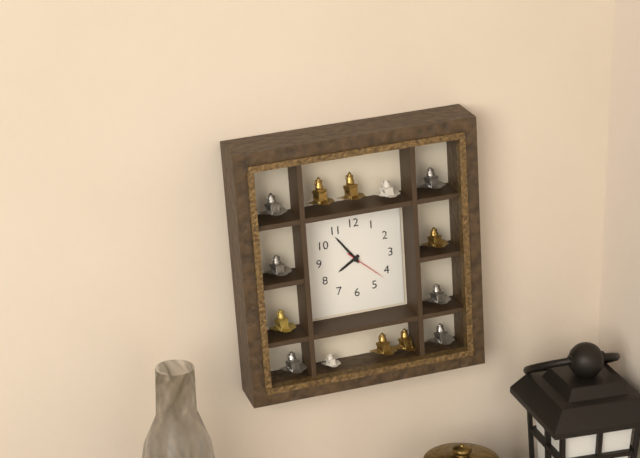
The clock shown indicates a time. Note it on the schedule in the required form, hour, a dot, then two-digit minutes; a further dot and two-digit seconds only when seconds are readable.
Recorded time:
7.54
